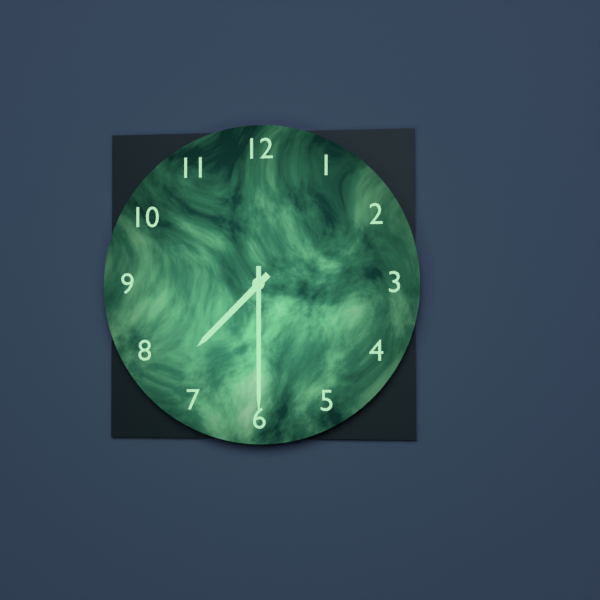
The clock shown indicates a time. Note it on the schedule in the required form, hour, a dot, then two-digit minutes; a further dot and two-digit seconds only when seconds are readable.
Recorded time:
7.30
